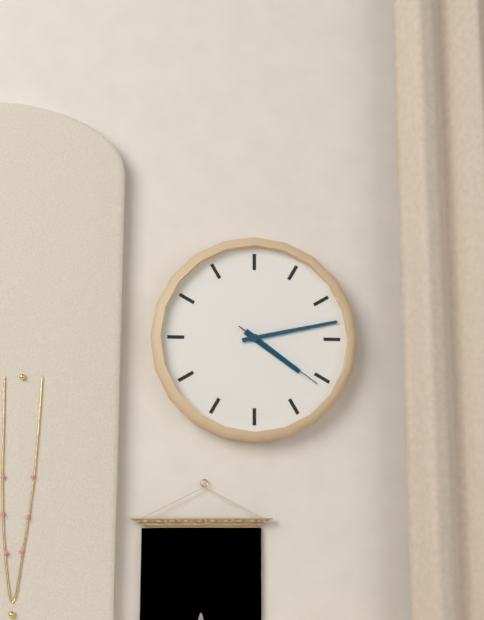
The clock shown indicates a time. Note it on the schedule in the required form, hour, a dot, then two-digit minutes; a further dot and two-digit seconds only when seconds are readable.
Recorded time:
4.13.21
